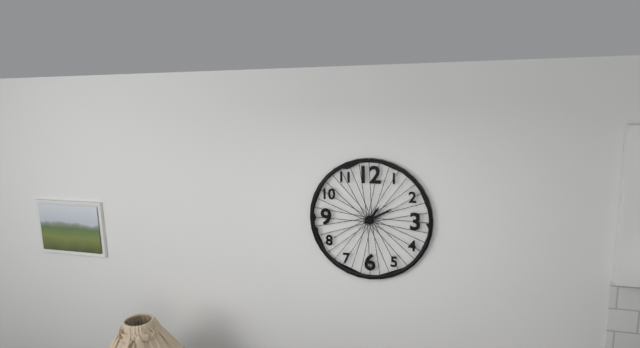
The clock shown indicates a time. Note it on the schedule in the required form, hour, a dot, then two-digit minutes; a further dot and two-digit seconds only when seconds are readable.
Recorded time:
1.10
